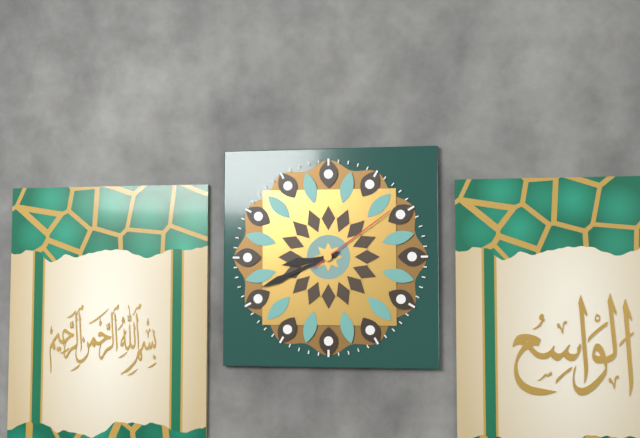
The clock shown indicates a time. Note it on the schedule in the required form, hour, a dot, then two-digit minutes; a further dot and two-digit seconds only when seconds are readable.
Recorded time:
8.41.09
